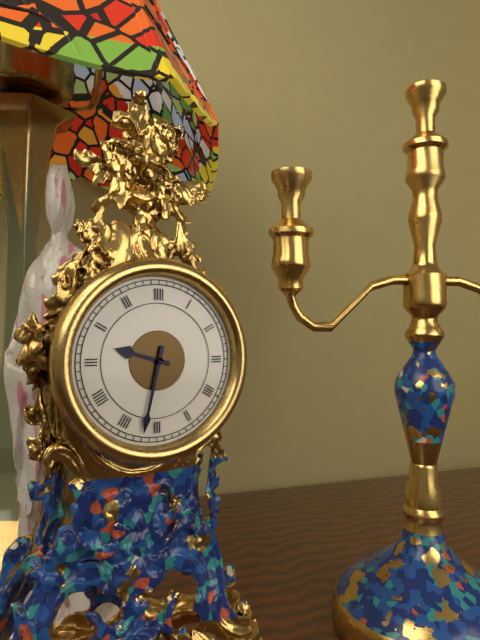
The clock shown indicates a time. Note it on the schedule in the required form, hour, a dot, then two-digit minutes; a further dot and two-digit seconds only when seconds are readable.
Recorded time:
9.32
